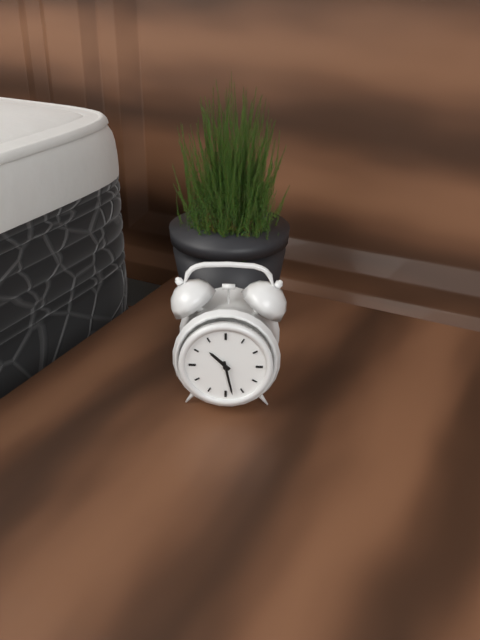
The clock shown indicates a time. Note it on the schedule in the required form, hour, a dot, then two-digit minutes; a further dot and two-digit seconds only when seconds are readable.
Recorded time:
10.28
